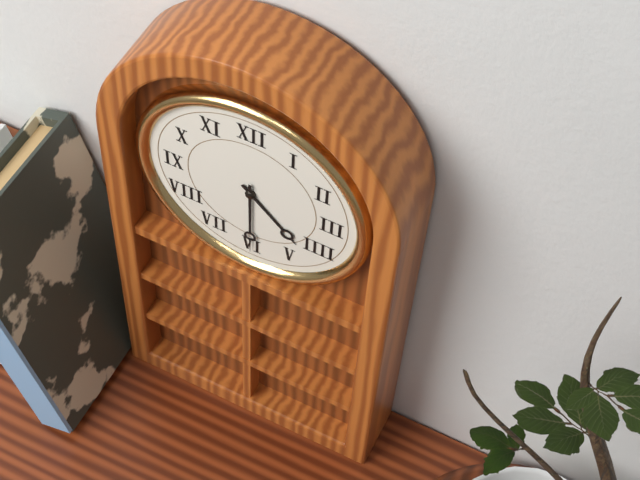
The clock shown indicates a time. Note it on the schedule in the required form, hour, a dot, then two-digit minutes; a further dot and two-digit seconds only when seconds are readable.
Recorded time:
4.30
